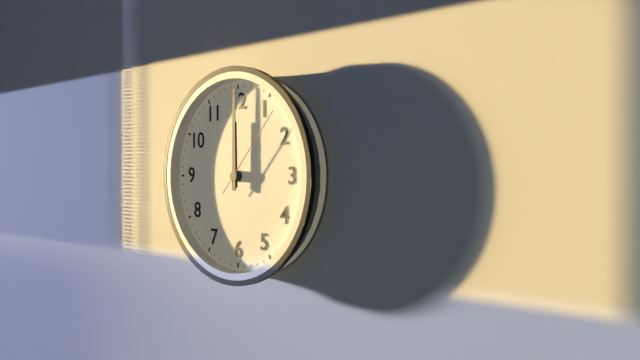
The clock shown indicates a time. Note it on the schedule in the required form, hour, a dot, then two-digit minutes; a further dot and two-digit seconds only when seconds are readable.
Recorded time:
12.00.07
